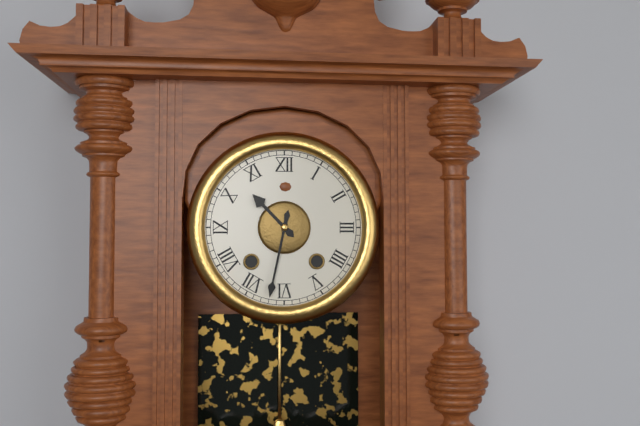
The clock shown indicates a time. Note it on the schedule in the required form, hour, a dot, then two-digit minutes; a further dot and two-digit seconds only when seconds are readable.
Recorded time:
10.32
